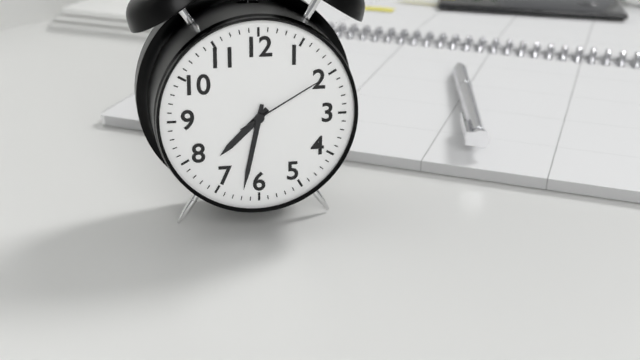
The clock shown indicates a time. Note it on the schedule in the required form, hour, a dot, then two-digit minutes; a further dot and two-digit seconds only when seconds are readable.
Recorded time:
7.32.10
